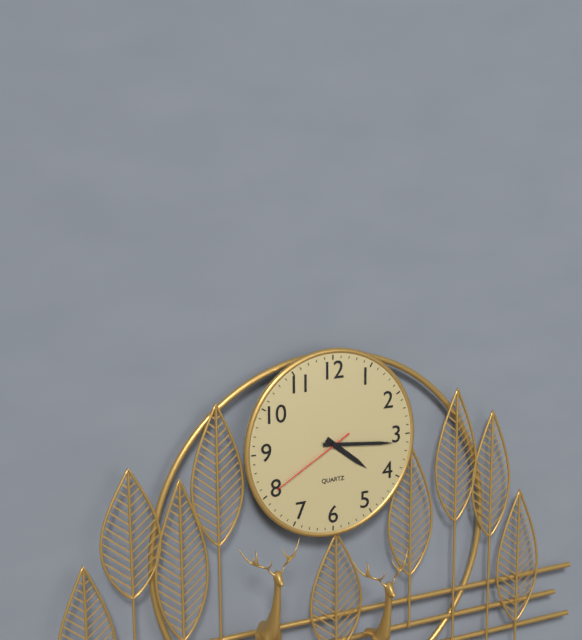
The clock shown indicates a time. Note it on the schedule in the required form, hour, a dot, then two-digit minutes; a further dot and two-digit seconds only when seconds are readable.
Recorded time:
4.16.40
